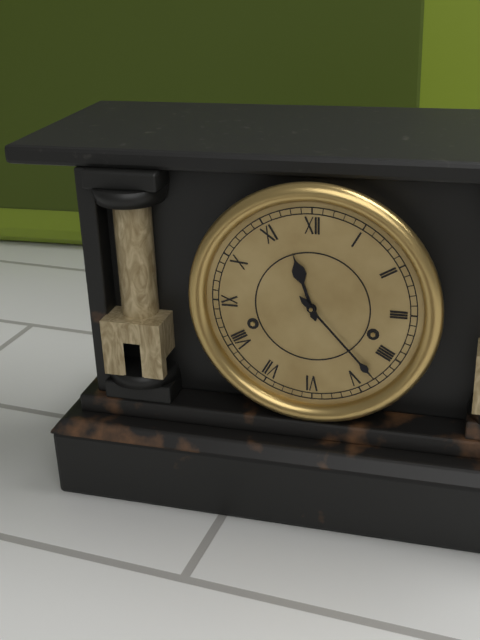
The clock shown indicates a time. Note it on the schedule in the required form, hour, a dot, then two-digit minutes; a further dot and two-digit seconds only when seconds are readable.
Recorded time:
11.23
